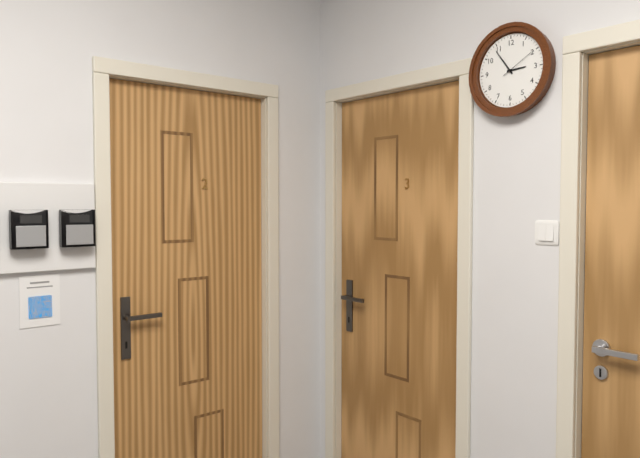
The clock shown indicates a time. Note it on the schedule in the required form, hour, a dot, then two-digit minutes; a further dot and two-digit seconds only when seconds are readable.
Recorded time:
2.54
